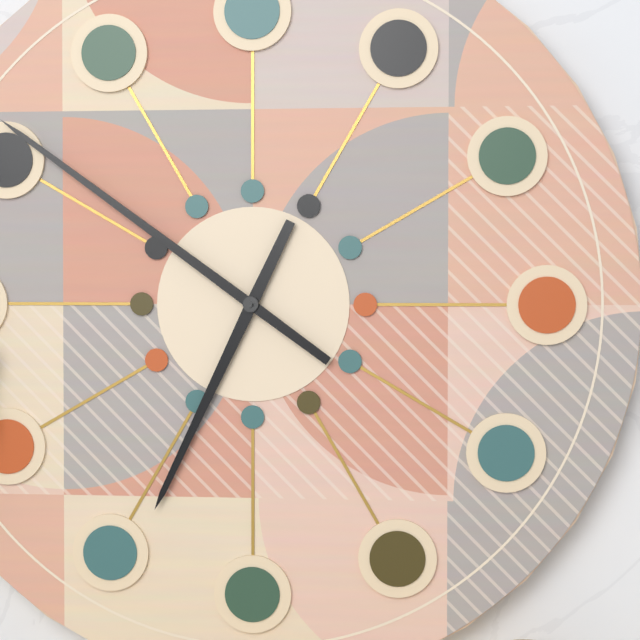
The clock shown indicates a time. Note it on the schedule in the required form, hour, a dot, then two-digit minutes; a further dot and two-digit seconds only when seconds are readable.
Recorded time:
6.51
